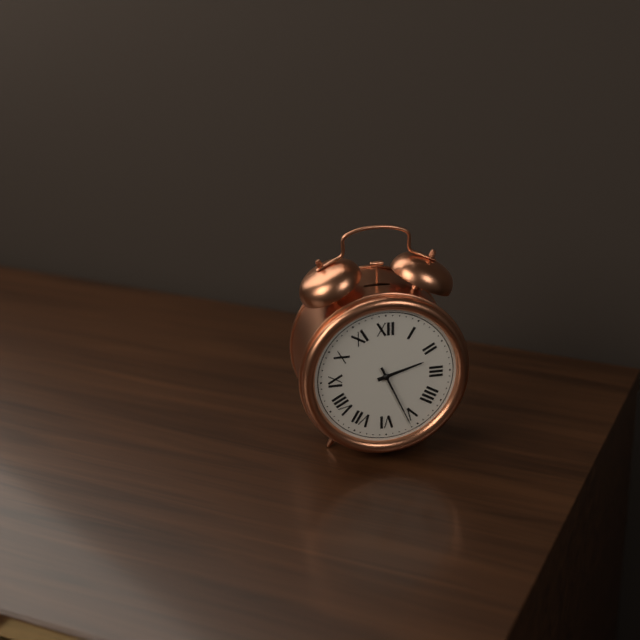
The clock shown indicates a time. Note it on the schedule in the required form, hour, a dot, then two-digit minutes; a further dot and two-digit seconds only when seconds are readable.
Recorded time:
2.26
